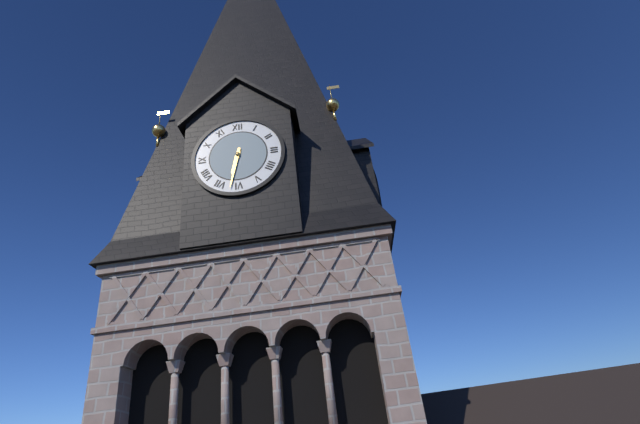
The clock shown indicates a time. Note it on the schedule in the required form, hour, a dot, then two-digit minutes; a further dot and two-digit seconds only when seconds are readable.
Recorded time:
6.32
